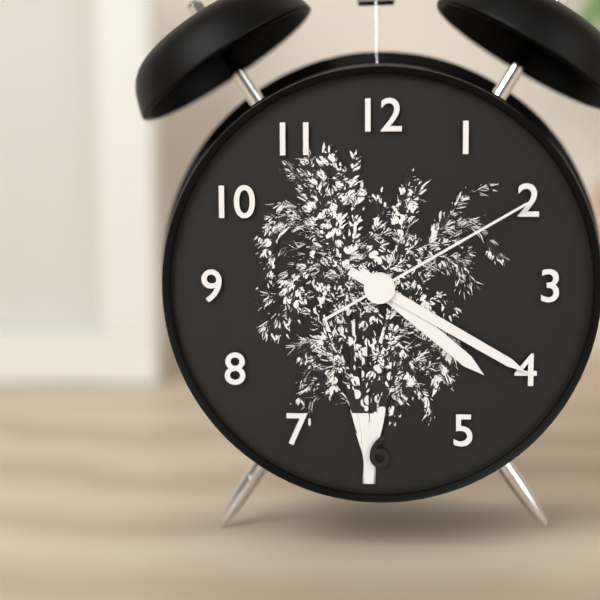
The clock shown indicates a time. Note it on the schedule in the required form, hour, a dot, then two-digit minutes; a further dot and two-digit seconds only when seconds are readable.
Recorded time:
4.20.10
